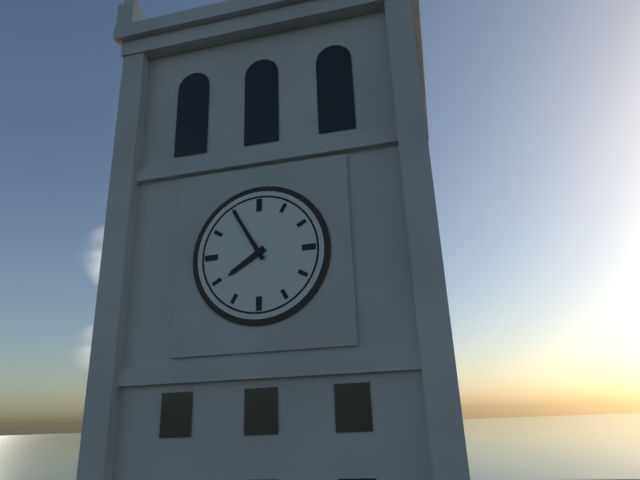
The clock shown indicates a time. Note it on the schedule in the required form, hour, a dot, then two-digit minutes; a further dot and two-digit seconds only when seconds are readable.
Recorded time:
7.55
